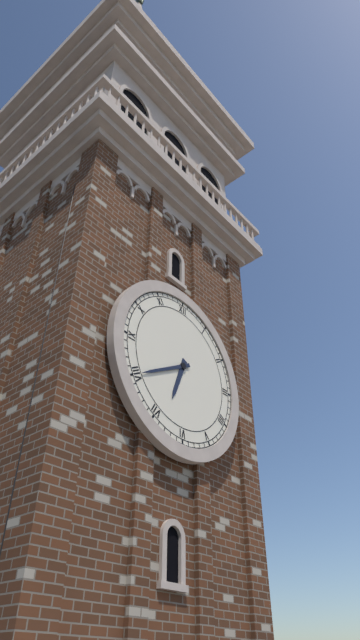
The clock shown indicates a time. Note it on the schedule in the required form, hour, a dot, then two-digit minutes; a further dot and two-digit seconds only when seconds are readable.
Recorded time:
6.40
